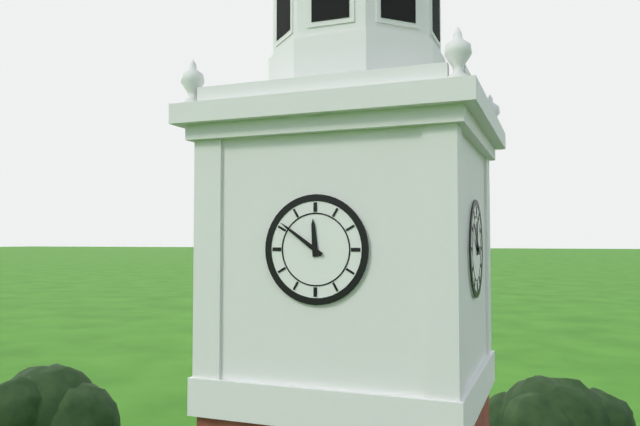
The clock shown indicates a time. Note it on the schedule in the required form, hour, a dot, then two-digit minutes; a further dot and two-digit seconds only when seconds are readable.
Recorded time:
11.51
